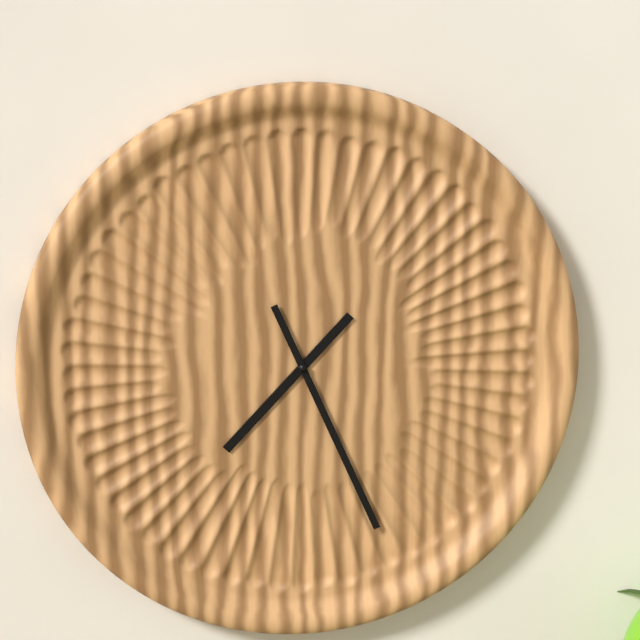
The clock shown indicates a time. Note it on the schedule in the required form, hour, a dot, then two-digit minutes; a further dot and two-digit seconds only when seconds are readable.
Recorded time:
7.26
